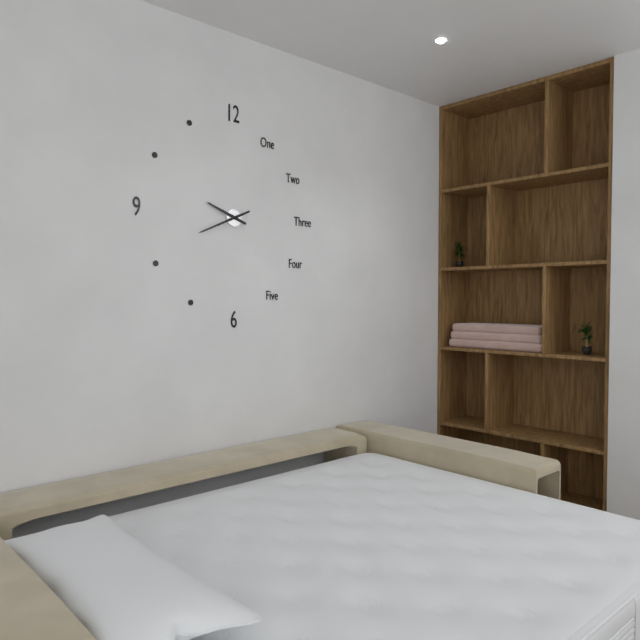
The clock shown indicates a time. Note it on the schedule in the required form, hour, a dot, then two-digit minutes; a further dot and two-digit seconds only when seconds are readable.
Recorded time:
9.41
